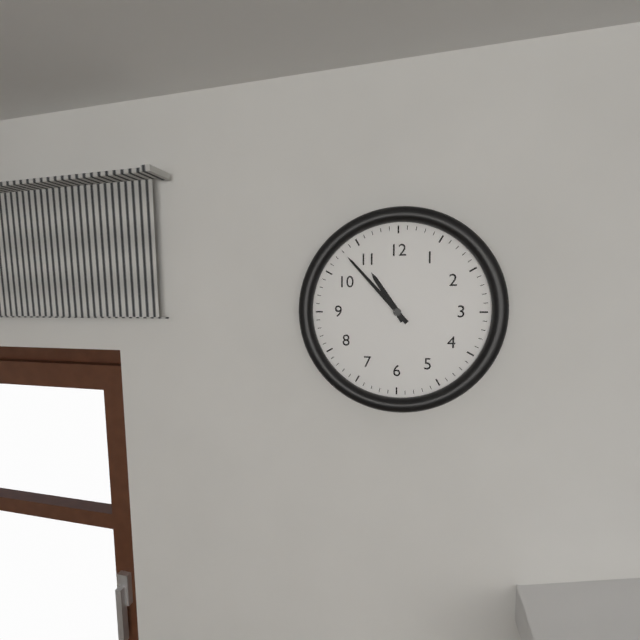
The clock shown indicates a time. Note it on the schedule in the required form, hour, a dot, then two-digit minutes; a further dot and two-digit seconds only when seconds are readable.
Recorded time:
10.53
